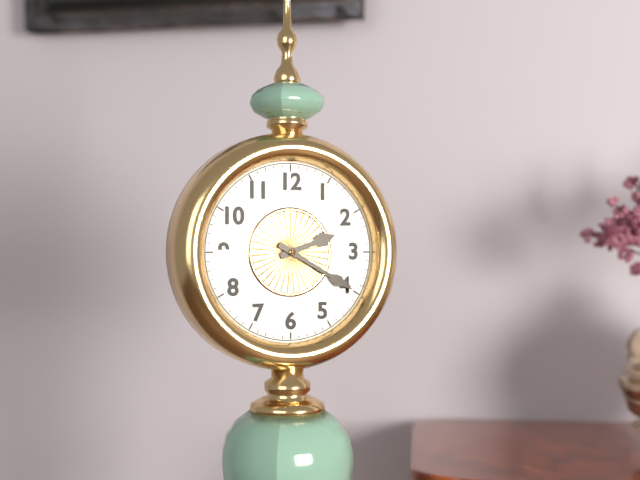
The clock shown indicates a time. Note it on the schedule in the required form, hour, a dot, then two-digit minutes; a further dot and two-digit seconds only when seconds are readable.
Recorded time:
2.20
